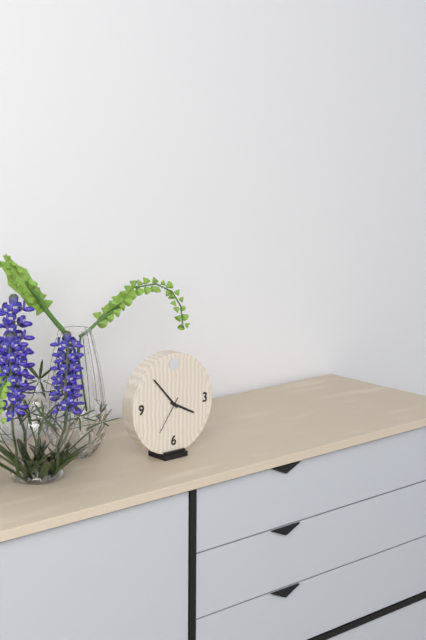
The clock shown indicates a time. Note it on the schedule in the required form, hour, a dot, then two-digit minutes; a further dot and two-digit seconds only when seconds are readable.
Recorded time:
3.53
